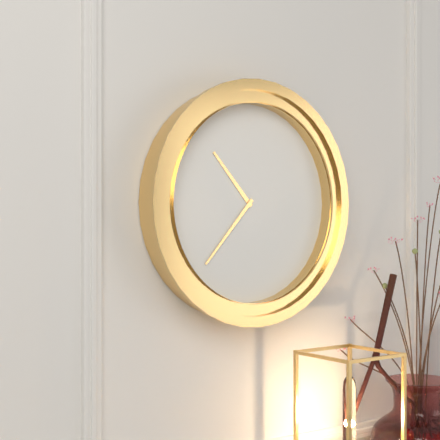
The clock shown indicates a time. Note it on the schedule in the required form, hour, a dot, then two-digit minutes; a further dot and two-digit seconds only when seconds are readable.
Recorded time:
10.37
